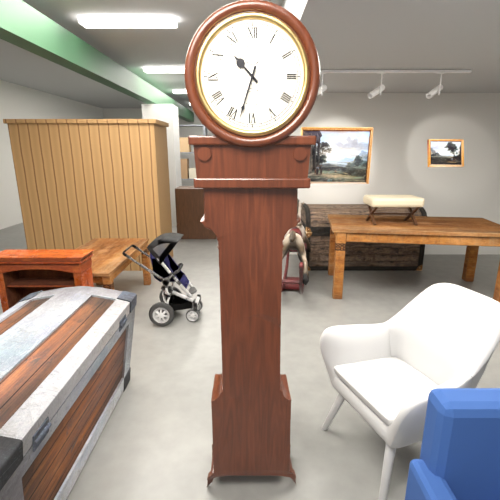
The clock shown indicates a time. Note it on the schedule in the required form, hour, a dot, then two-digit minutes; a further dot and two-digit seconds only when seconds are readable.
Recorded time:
10.33
